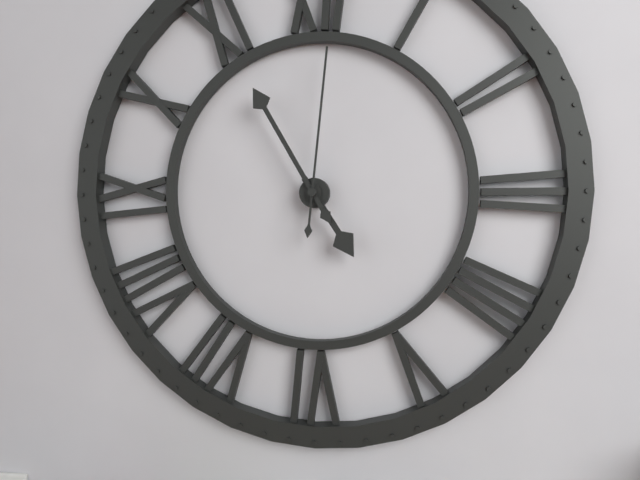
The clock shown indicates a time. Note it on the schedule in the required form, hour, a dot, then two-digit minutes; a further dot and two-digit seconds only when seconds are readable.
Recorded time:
4.55.01
